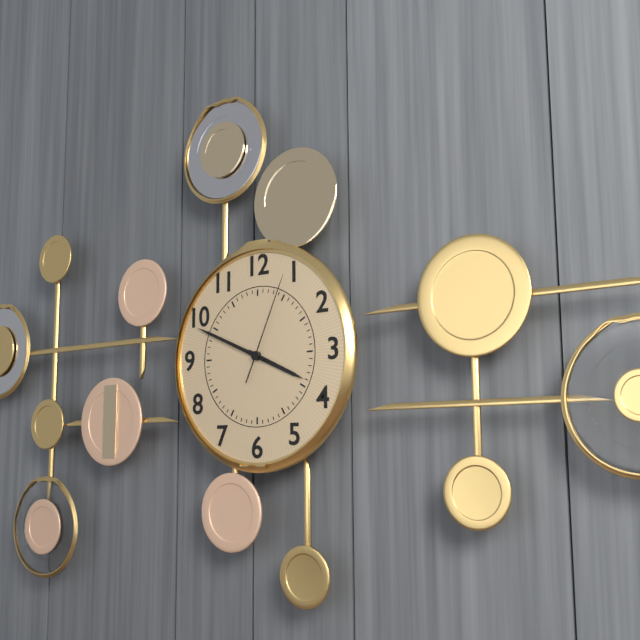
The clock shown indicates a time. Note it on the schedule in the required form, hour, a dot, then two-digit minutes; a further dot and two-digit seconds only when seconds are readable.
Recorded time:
3.49.04
